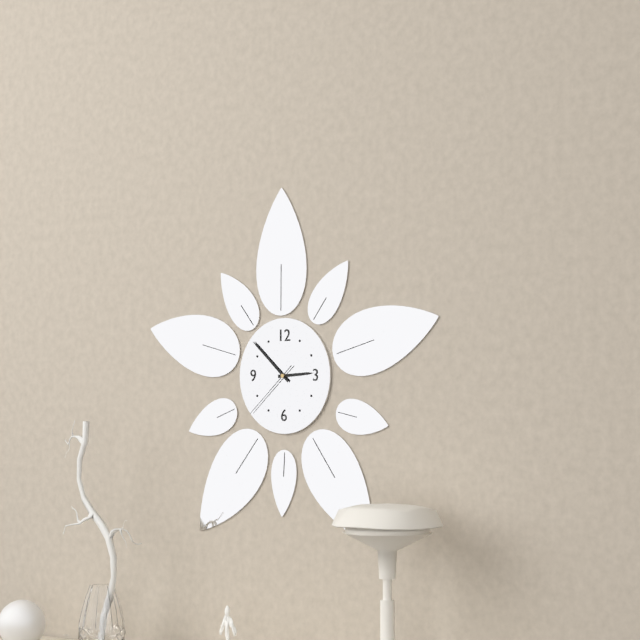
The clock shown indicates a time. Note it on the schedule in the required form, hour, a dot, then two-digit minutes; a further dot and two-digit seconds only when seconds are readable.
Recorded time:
2.52.38
